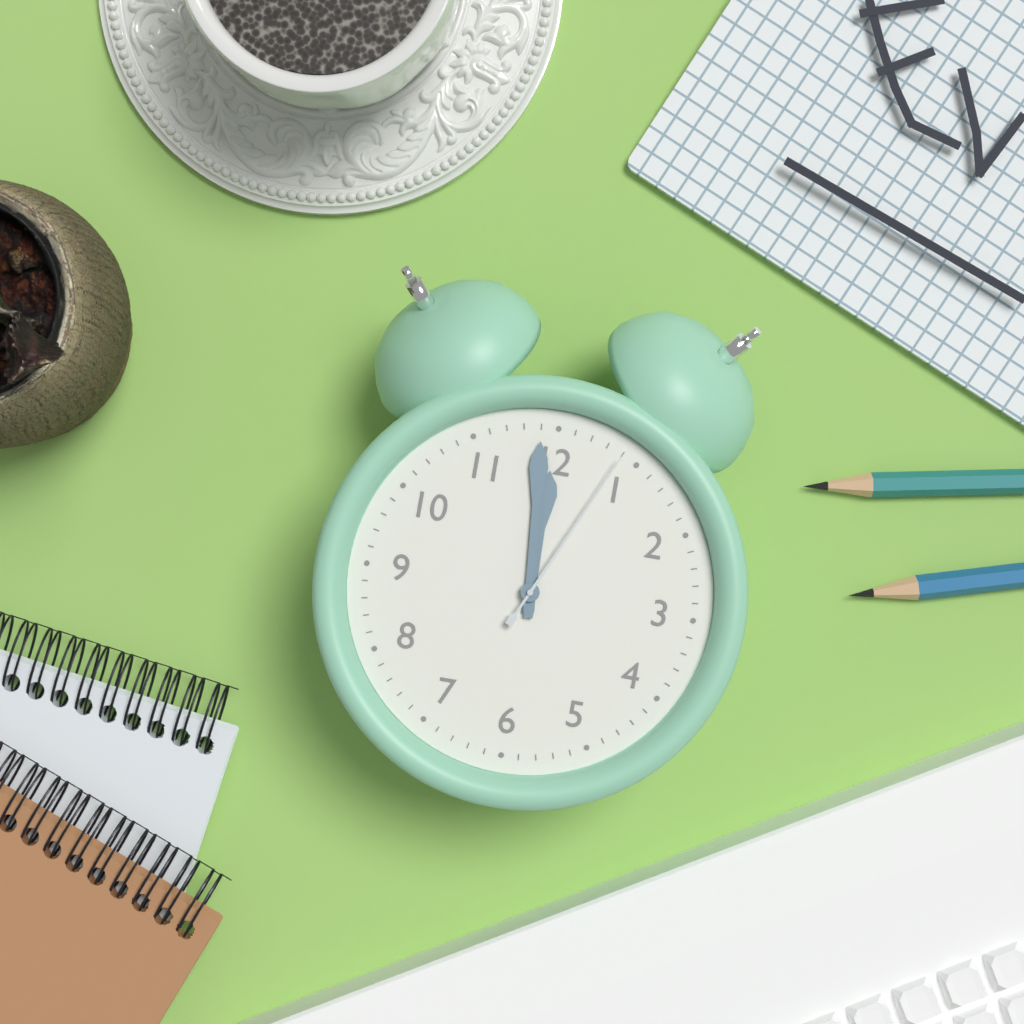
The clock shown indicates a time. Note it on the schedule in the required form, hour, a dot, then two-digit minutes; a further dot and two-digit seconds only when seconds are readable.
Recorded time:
11.59.04
